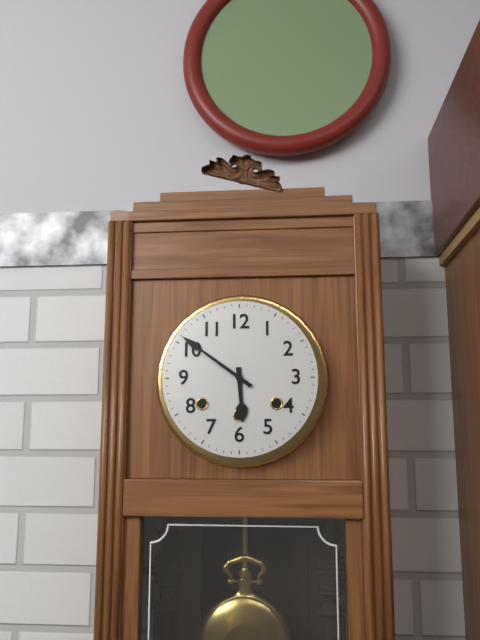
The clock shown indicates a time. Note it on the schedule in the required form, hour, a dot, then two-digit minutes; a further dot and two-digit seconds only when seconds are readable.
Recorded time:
5.51
